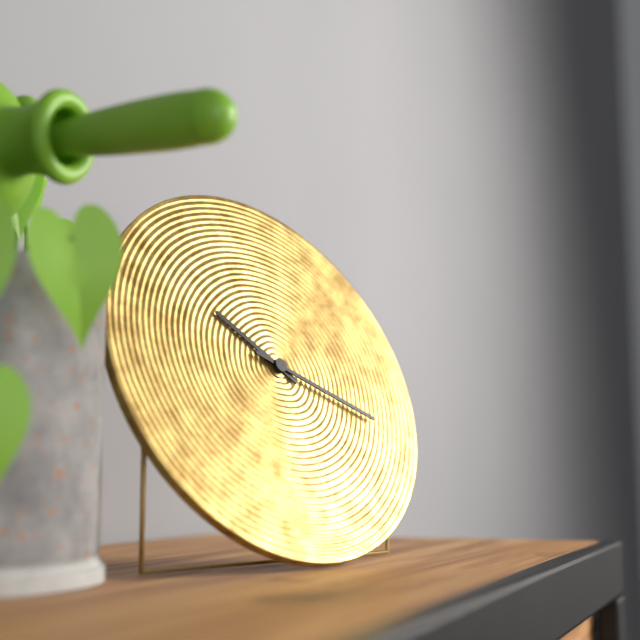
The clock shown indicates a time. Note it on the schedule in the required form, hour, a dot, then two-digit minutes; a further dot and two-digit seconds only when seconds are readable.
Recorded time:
10.19
